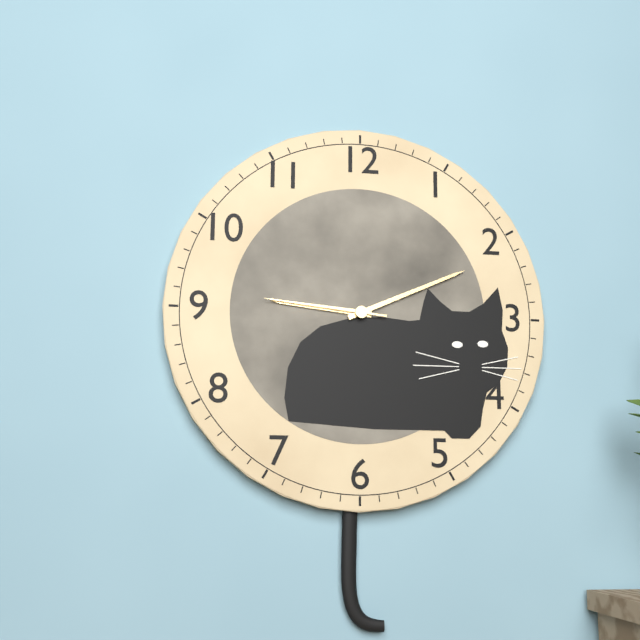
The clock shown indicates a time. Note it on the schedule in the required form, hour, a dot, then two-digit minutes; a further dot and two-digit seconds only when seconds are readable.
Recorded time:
9.11.46
